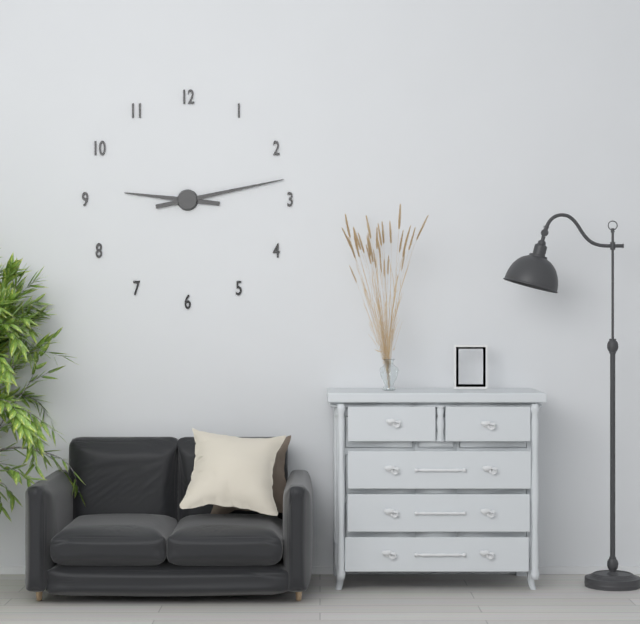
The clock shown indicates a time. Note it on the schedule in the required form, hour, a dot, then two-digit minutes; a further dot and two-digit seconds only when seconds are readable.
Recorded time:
9.13
